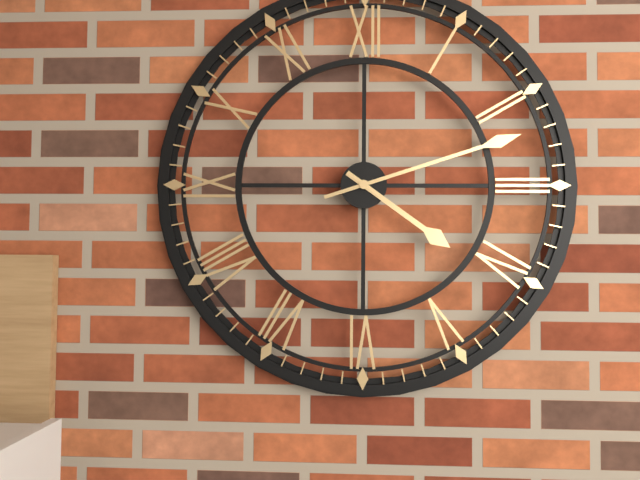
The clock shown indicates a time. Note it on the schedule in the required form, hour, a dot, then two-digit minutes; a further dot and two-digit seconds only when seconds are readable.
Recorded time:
4.12
